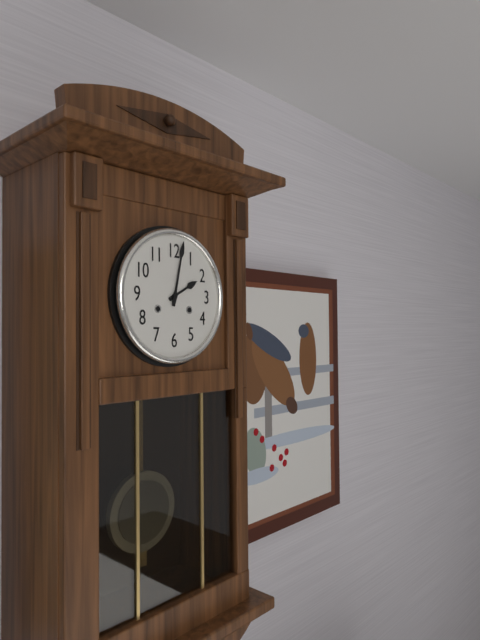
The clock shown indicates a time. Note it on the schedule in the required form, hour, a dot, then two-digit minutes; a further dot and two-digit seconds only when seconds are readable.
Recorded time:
2.02
